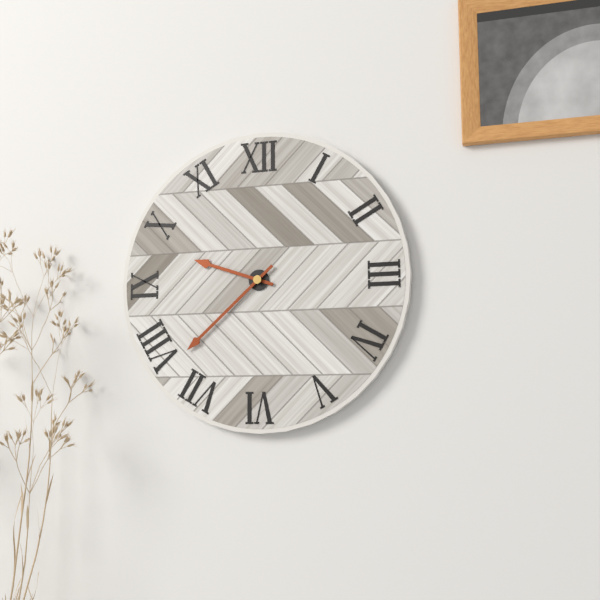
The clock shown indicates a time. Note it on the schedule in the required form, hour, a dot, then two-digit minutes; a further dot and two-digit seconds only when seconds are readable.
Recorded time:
9.38
